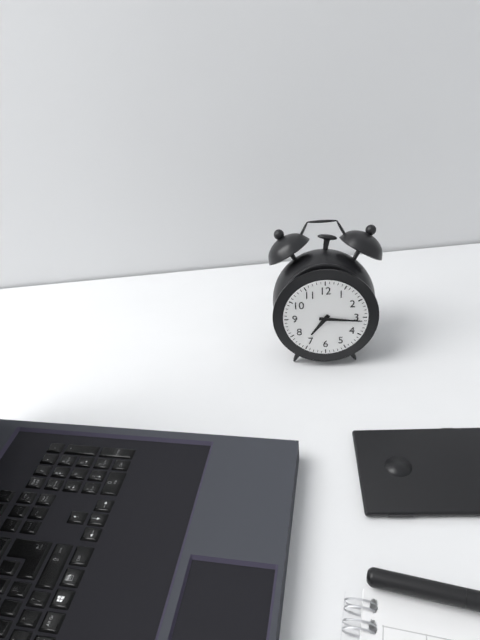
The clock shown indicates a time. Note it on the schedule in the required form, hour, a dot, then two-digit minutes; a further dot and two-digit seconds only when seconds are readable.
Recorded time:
7.16
